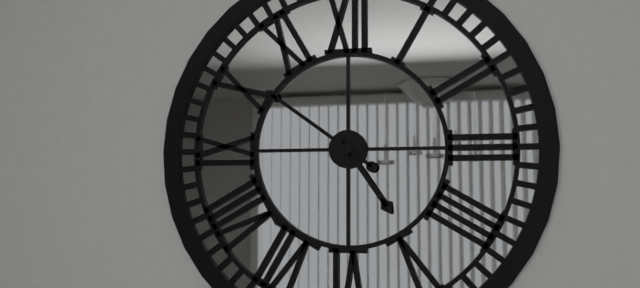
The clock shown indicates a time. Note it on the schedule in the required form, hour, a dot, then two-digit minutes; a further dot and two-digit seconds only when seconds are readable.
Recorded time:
4.51
